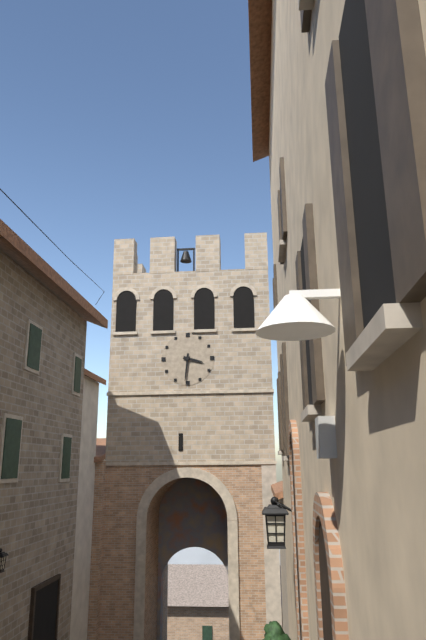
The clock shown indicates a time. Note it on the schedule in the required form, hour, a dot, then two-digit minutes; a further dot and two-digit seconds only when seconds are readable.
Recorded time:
3.31
